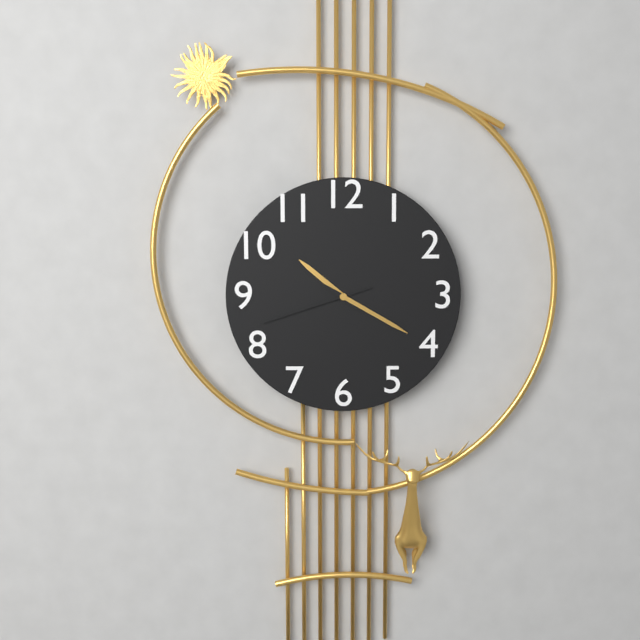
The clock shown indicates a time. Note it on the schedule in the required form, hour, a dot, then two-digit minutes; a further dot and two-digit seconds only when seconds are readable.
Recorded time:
10.20.42
